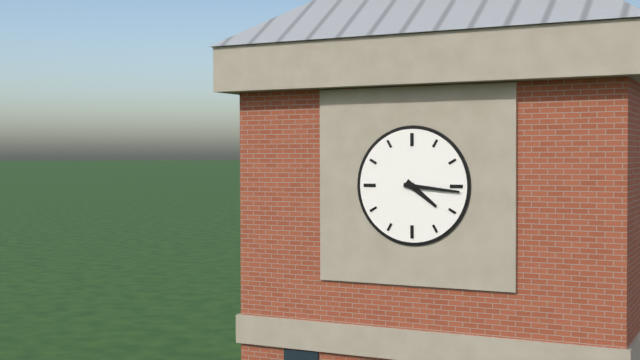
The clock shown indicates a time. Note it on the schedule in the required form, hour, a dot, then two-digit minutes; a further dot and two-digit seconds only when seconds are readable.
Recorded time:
4.16
